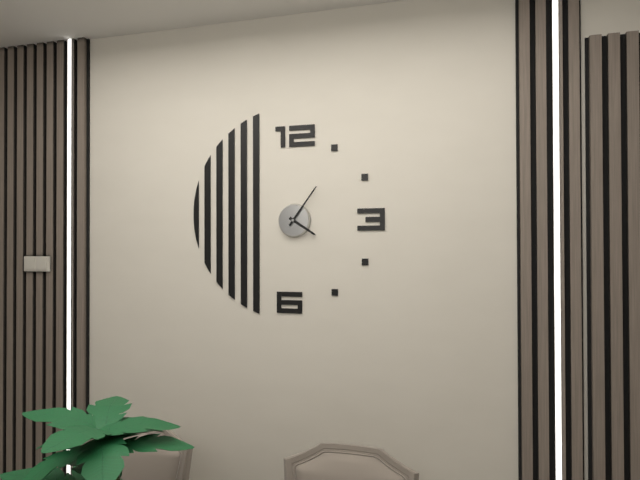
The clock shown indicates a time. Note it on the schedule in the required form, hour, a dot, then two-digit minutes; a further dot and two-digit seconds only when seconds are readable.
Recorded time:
4.06
